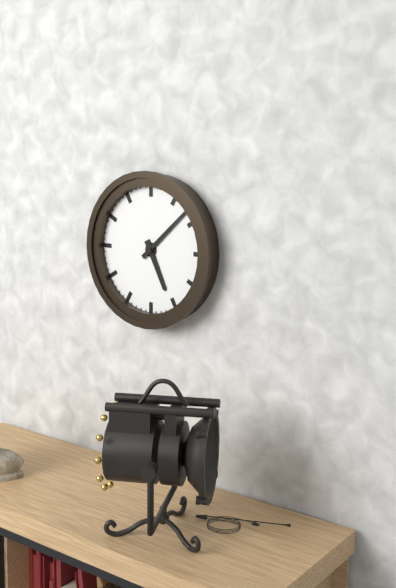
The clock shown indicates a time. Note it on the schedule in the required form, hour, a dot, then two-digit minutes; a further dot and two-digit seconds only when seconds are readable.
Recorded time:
5.08
